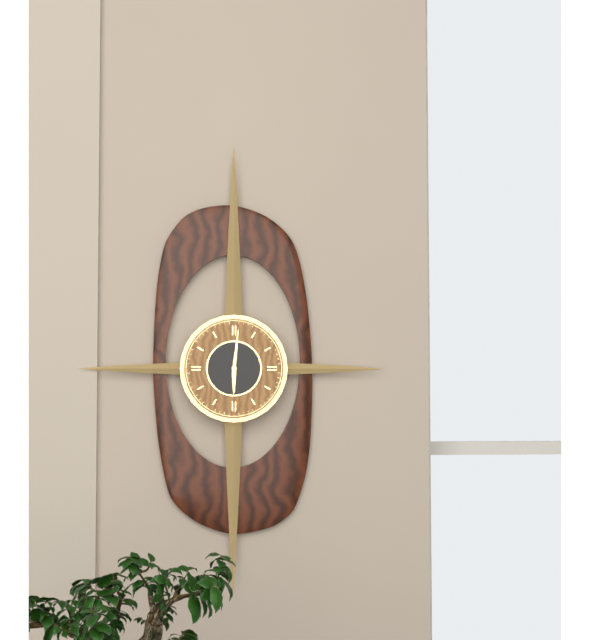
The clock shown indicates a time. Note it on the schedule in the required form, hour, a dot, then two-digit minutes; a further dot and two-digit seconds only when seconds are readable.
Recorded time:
6.01
